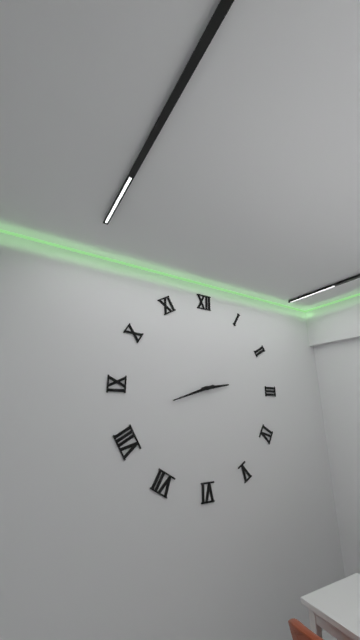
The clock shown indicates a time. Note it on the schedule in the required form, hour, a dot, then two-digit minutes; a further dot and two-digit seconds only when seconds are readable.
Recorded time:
2.42
